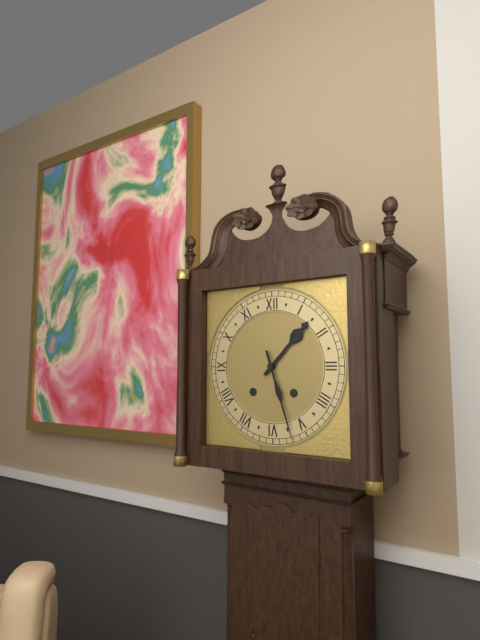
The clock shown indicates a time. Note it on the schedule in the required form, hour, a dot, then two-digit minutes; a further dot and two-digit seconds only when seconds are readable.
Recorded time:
1.27
